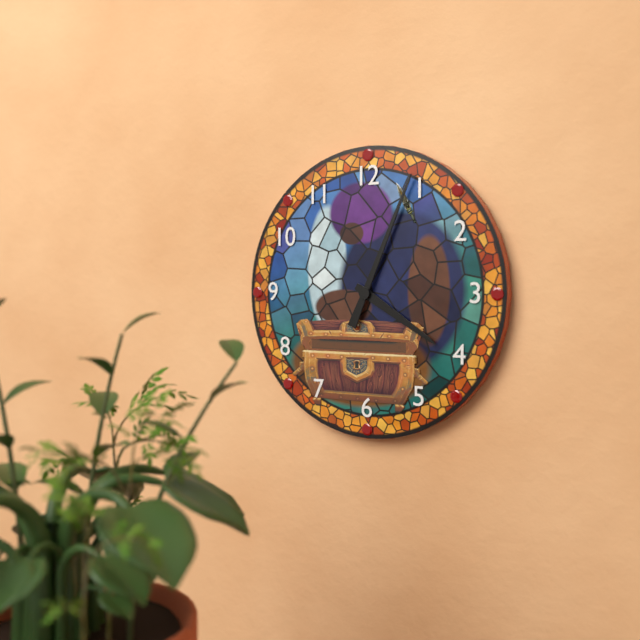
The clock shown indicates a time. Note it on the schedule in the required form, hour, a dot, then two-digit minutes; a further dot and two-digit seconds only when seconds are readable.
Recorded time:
4.04
